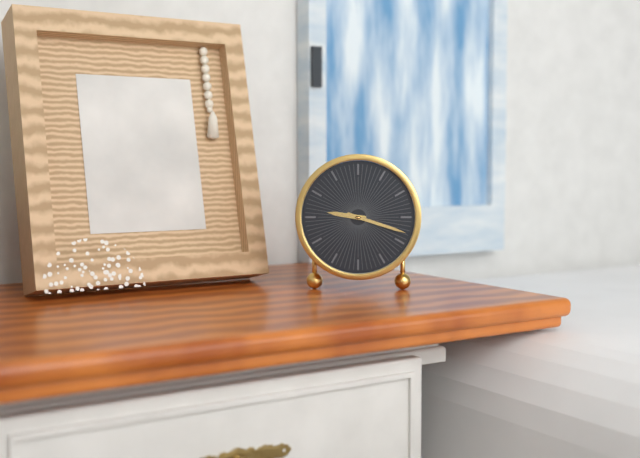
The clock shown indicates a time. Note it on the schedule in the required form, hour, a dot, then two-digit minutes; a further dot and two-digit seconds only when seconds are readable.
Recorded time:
9.18
